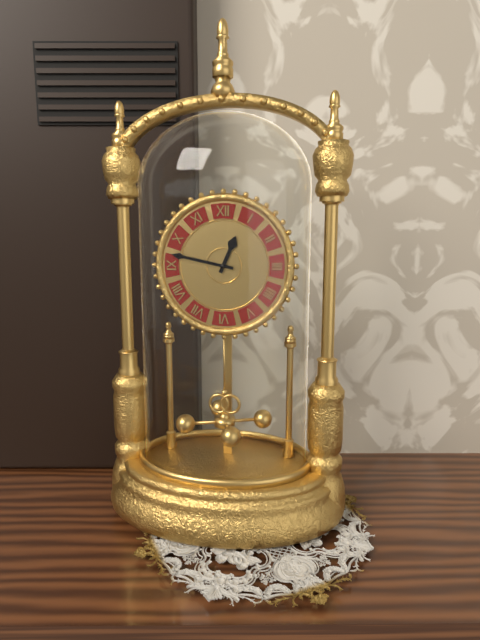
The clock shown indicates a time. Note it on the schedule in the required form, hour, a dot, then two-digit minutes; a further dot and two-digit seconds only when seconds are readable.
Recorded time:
12.47
